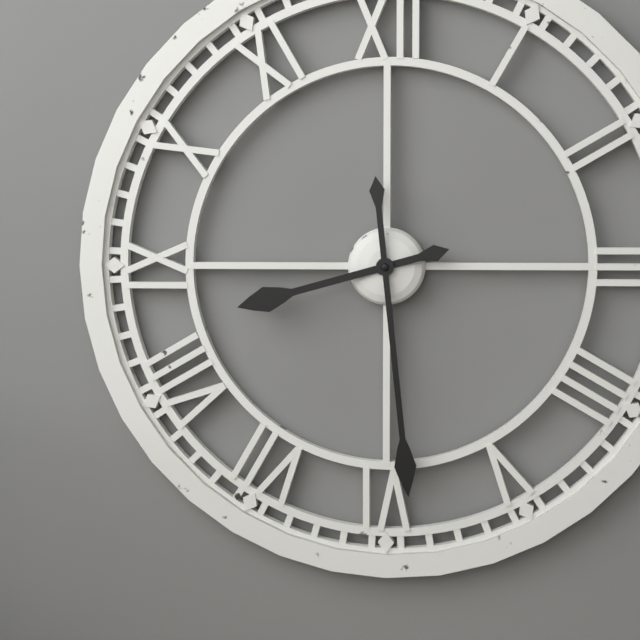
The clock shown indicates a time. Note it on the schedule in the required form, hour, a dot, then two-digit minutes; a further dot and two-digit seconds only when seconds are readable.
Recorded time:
8.29
